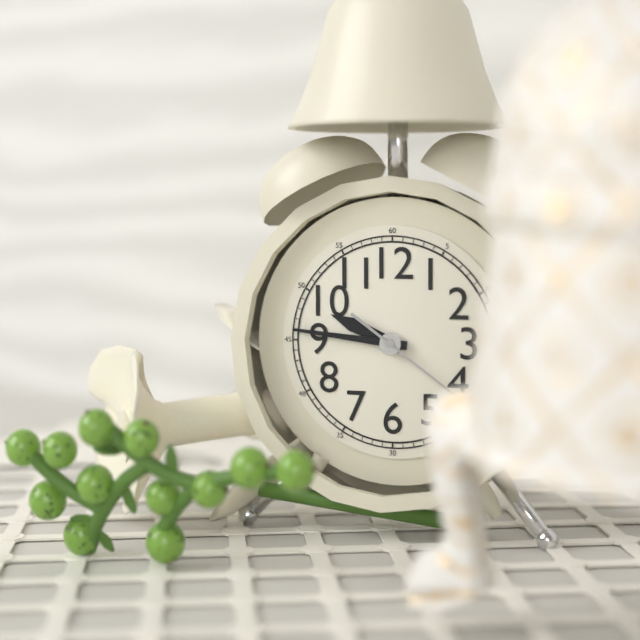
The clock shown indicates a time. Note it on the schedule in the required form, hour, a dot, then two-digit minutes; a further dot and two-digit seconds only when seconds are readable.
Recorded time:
9.46
